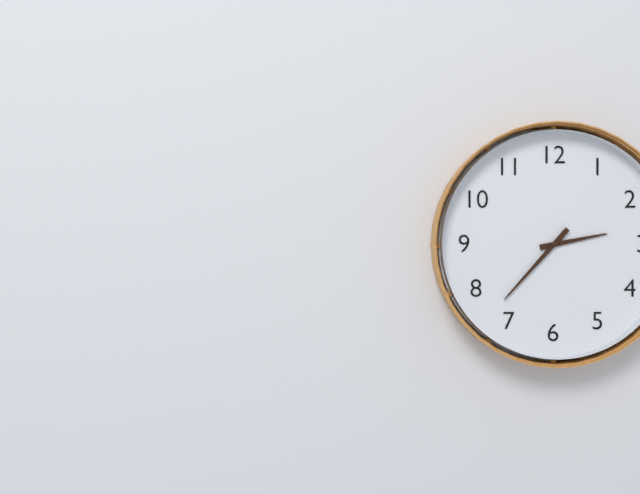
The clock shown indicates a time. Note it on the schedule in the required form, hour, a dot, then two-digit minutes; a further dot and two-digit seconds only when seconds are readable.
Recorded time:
2.37
